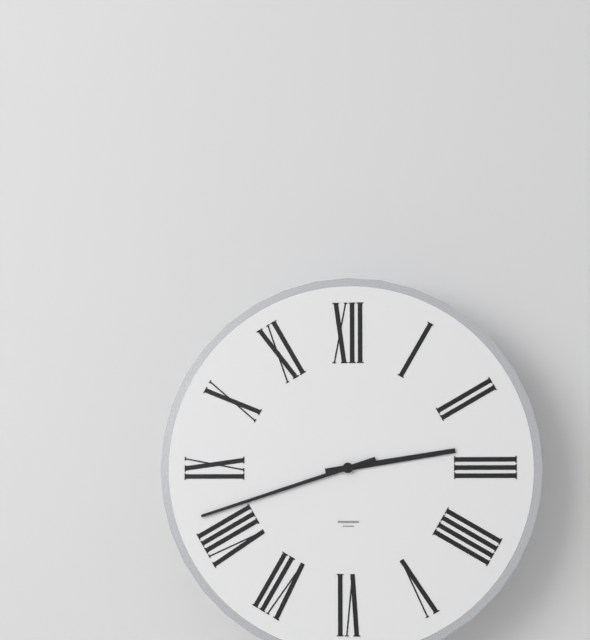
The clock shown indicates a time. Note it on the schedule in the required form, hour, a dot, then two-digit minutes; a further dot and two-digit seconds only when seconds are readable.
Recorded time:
2.42
